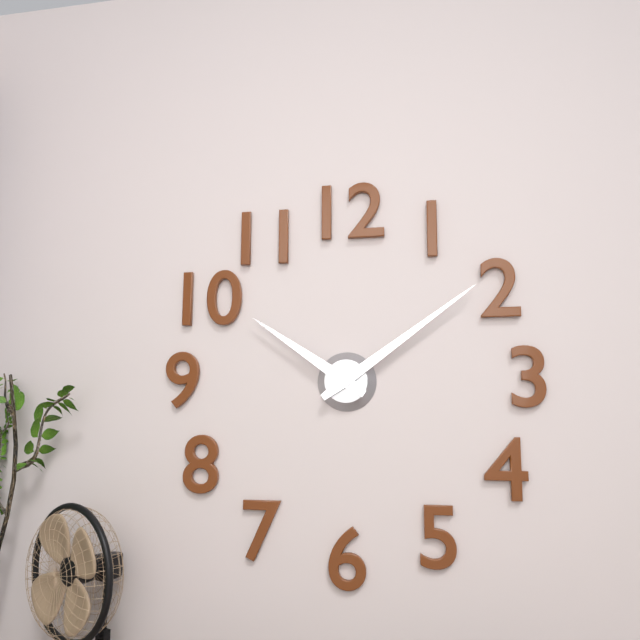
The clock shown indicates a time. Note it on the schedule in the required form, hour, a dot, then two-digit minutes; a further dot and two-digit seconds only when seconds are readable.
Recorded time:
10.09
